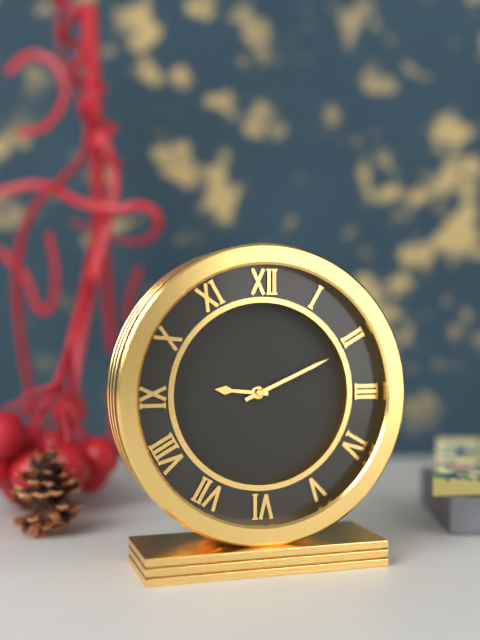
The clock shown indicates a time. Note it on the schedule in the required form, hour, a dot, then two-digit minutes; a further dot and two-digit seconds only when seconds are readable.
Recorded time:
9.11
